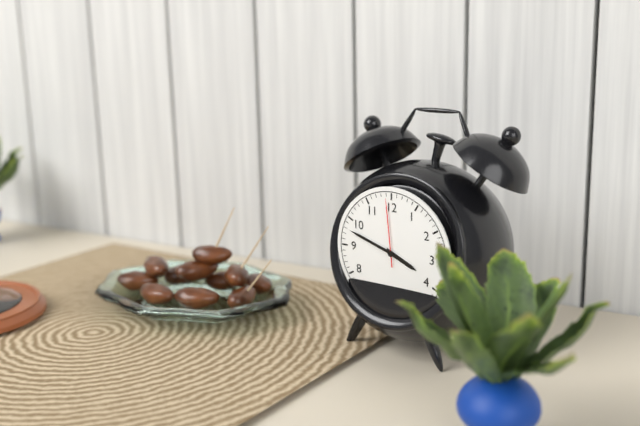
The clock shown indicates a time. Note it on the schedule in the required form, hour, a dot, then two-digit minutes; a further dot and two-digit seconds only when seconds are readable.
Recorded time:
3.48.59
